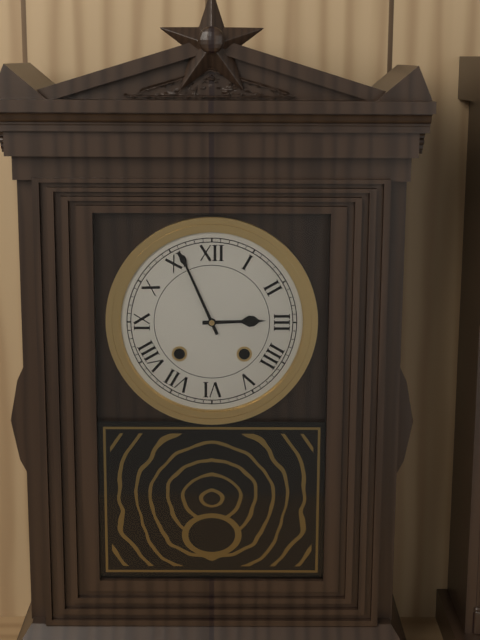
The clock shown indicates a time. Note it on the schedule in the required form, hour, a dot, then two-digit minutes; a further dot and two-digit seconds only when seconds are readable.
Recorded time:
2.56
